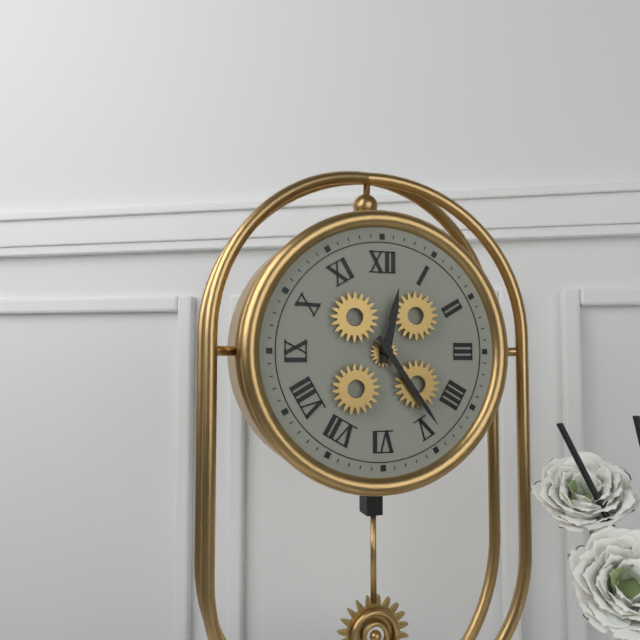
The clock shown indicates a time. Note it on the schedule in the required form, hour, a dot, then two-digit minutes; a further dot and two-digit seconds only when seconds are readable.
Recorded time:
12.24
